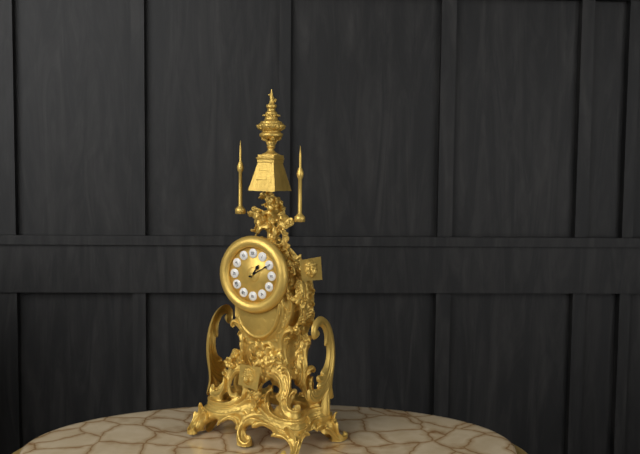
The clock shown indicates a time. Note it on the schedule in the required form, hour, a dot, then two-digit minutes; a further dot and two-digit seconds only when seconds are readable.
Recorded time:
1.10
